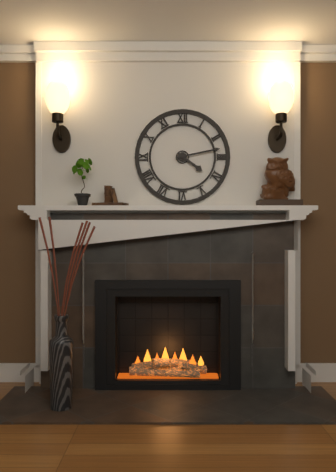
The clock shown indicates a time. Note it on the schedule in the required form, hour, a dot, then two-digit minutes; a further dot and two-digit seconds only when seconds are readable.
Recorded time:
4.13
